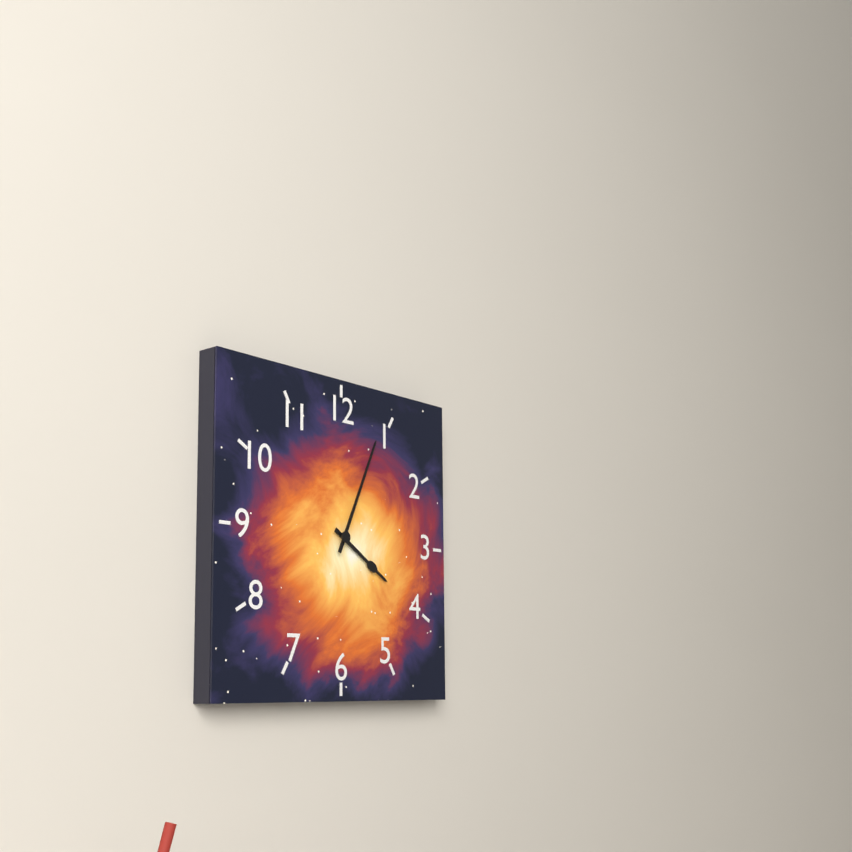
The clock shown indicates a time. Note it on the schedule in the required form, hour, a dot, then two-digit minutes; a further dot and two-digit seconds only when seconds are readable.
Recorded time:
4.04
